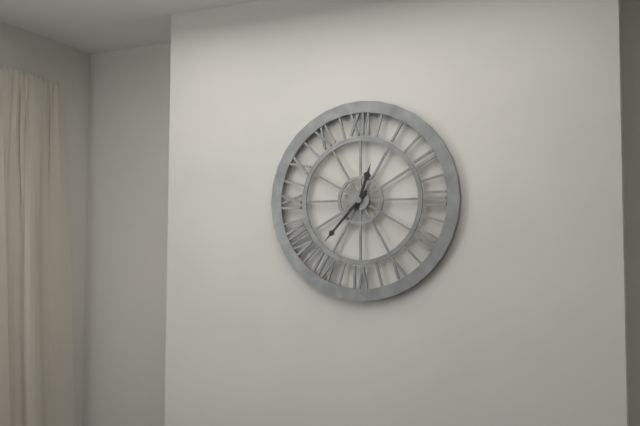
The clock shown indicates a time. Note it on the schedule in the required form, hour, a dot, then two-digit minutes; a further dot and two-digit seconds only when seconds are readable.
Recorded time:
12.37
